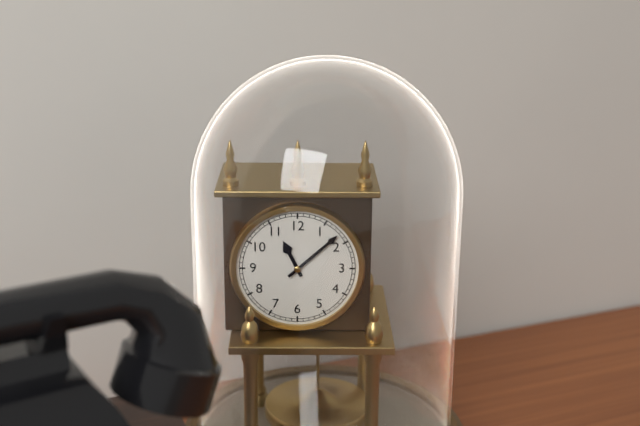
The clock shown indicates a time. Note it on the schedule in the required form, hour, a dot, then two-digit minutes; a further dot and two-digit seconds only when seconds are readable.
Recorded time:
11.08
